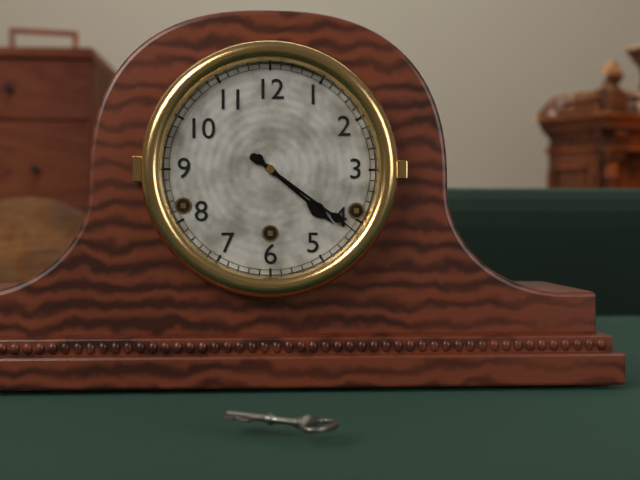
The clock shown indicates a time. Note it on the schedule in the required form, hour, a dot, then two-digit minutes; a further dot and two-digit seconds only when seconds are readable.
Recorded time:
4.21
